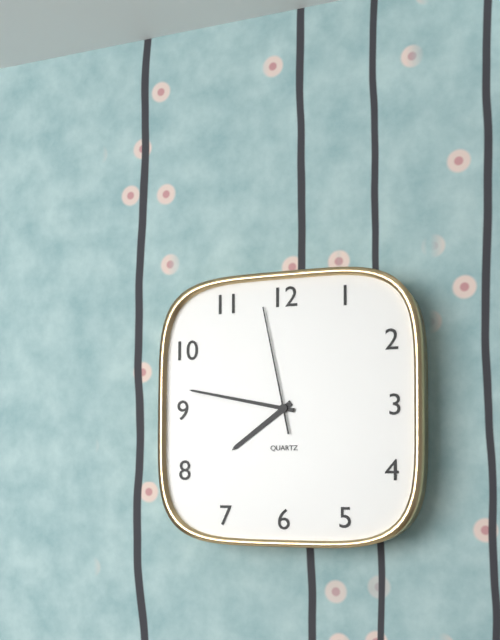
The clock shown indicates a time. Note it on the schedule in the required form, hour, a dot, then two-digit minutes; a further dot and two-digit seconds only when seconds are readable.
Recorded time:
7.47.58
